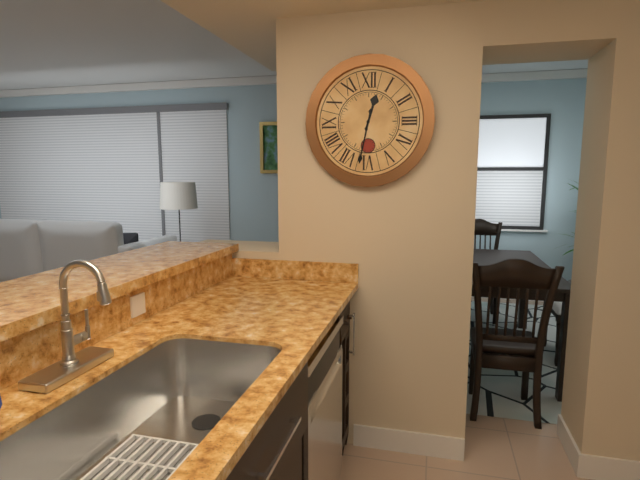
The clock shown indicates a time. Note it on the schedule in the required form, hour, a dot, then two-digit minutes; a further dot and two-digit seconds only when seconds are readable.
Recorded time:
12.32
